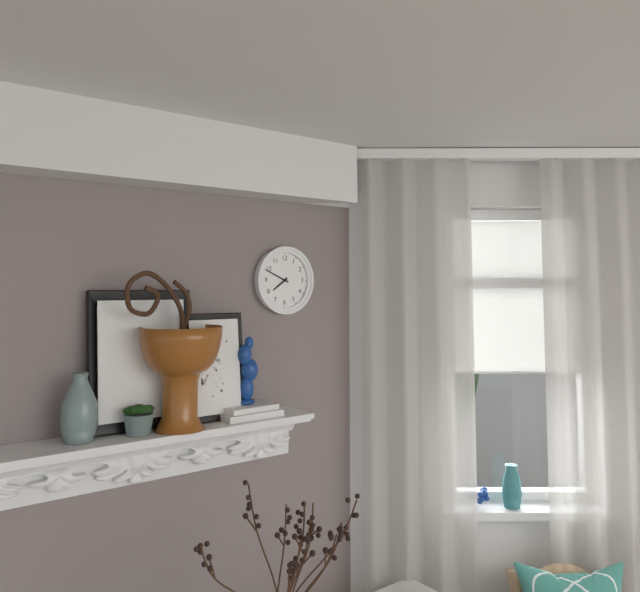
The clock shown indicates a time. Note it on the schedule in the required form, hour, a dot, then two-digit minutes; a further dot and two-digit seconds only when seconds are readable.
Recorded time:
7.49
